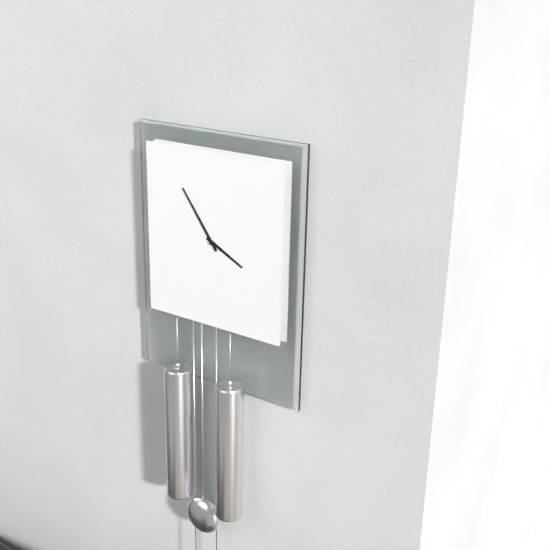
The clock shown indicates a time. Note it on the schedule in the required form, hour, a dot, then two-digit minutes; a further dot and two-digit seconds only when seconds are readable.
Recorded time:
3.54
